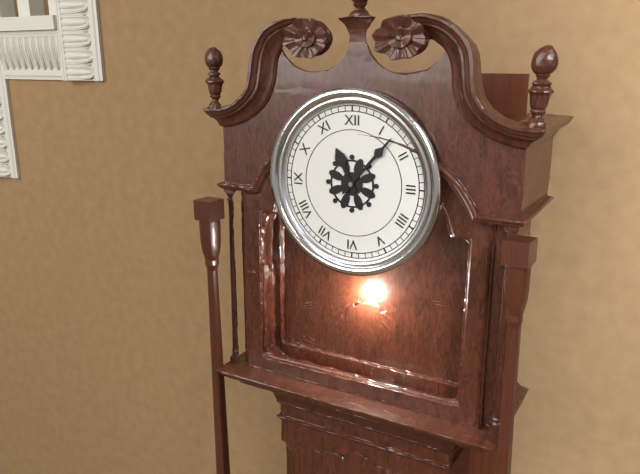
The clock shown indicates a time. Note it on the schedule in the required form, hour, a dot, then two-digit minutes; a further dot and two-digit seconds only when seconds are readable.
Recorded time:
11.07
